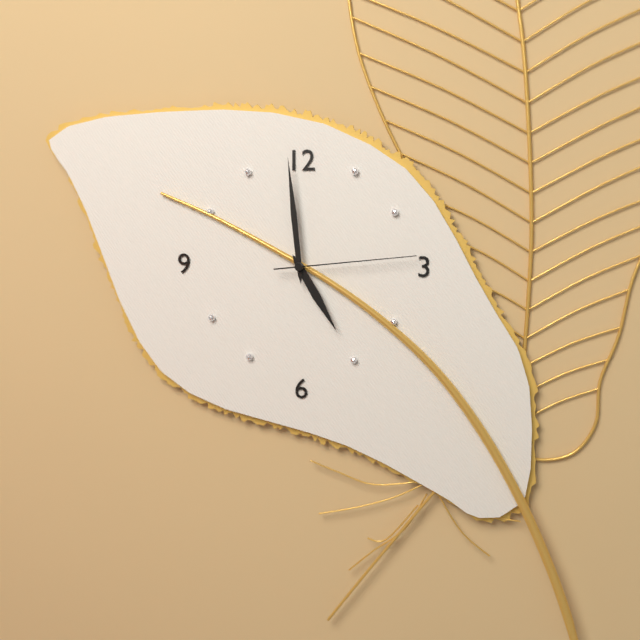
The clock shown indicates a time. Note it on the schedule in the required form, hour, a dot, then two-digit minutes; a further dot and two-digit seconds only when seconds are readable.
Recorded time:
4.59.14
